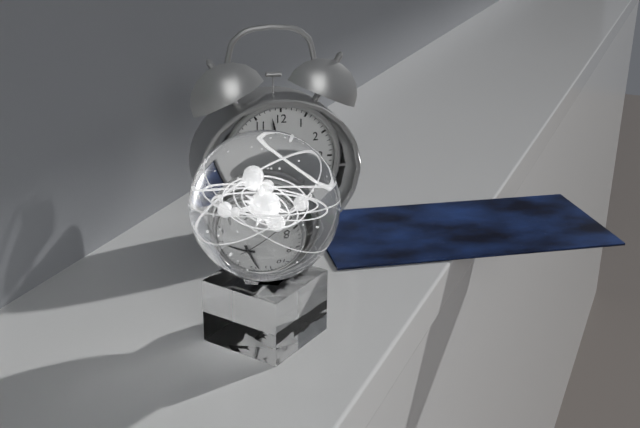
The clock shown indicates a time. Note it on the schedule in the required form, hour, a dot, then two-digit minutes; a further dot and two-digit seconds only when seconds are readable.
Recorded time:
2.58
